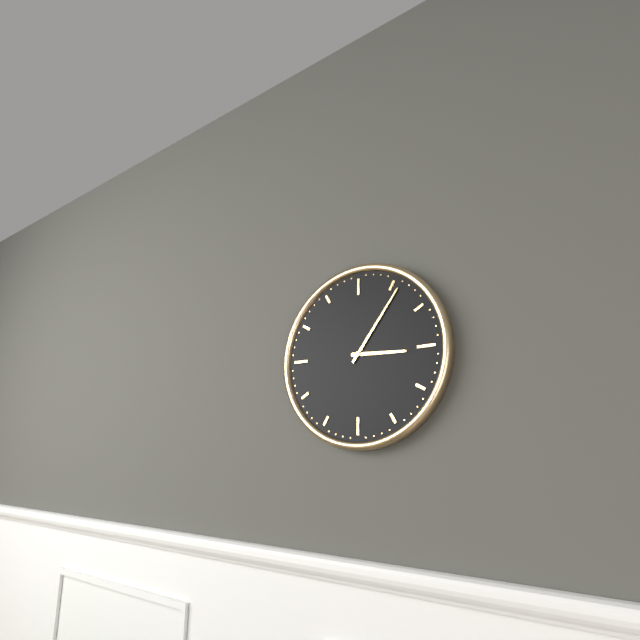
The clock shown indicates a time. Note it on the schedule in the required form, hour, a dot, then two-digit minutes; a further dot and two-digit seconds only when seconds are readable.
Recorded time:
3.06
